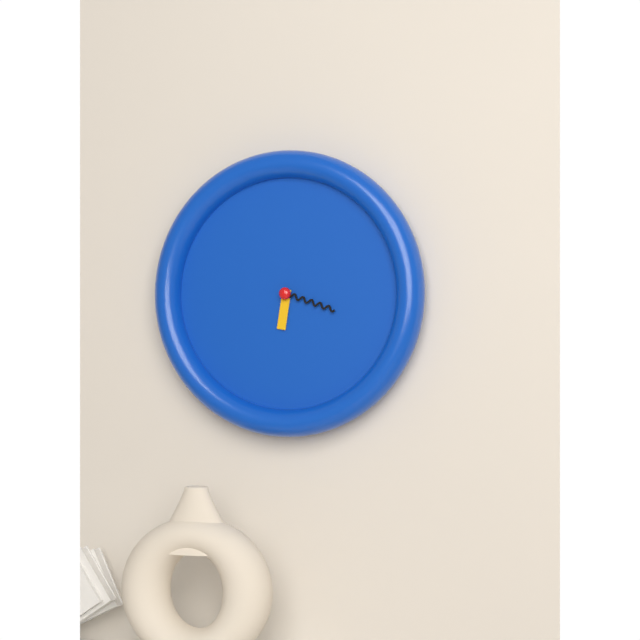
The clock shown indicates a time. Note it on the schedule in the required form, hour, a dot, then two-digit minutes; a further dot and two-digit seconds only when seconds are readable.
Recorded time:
6.18
